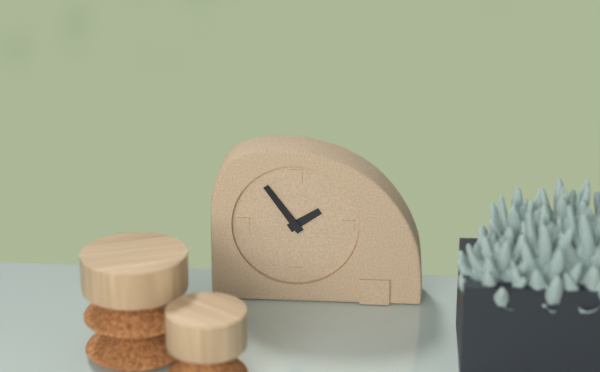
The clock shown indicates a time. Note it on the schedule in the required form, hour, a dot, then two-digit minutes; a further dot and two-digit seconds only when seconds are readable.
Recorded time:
1.54
